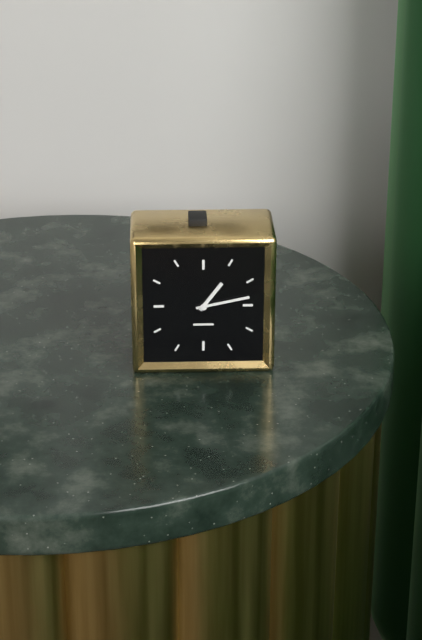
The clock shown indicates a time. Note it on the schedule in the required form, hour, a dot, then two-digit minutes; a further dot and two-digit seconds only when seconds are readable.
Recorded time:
1.13
